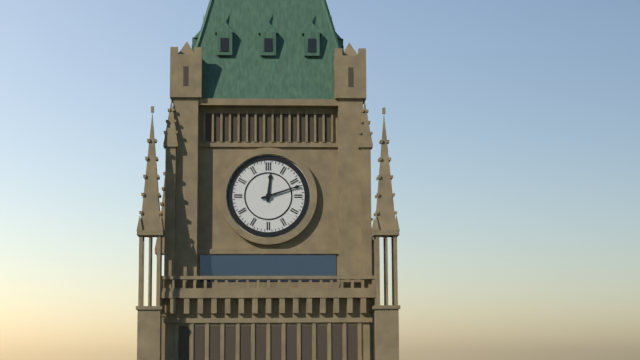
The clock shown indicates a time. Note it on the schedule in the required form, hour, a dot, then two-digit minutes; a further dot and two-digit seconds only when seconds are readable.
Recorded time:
12.12
